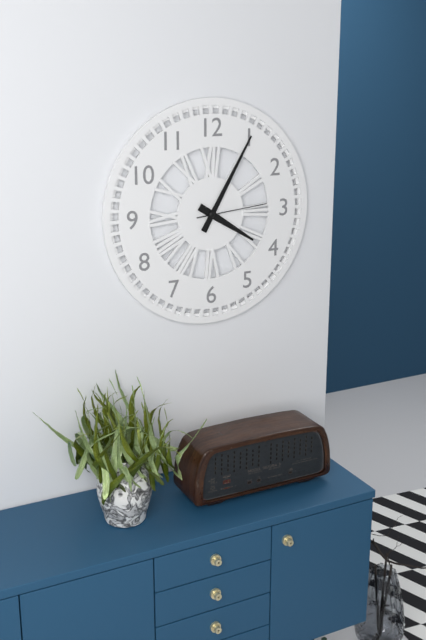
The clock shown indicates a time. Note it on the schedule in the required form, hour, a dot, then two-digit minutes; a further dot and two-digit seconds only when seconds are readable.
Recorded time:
4.05.14
